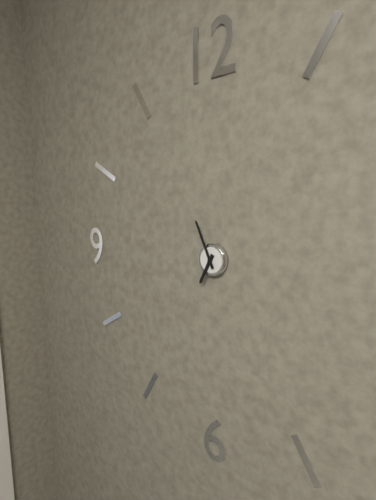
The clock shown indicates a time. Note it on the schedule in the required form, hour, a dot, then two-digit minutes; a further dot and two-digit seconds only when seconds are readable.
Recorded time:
6.56
